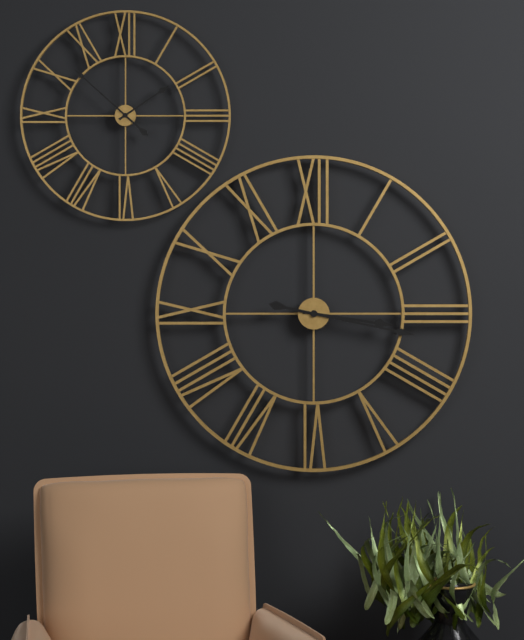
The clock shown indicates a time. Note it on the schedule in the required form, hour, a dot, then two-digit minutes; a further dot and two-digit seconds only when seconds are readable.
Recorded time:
3.17
